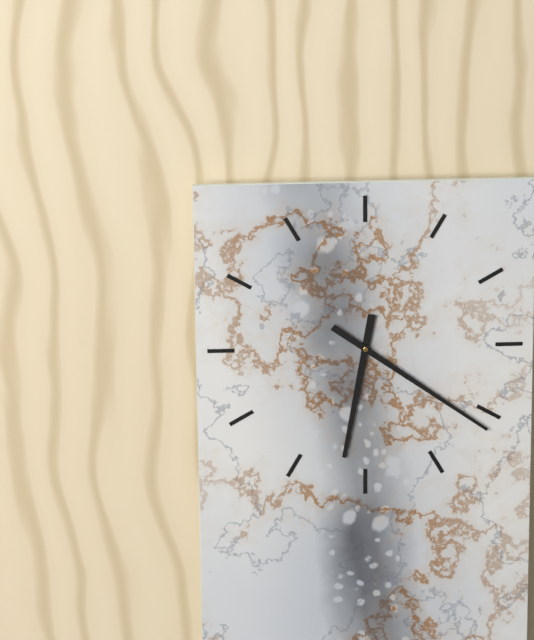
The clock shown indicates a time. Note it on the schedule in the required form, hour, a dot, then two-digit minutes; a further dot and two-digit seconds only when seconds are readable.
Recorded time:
6.21
